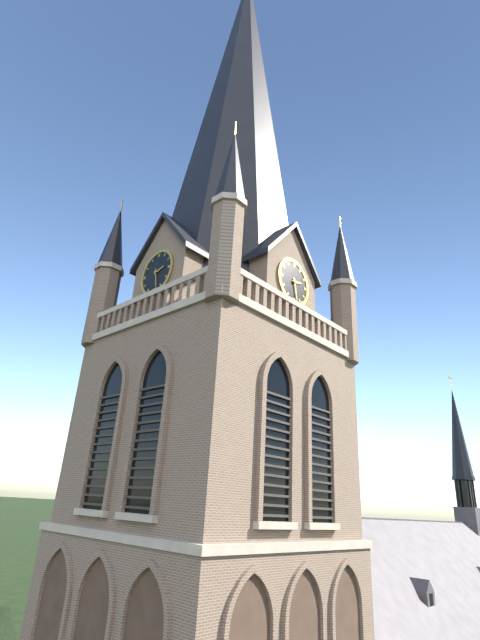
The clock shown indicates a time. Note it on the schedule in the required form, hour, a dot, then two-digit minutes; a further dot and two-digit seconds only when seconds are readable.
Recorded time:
2.28
